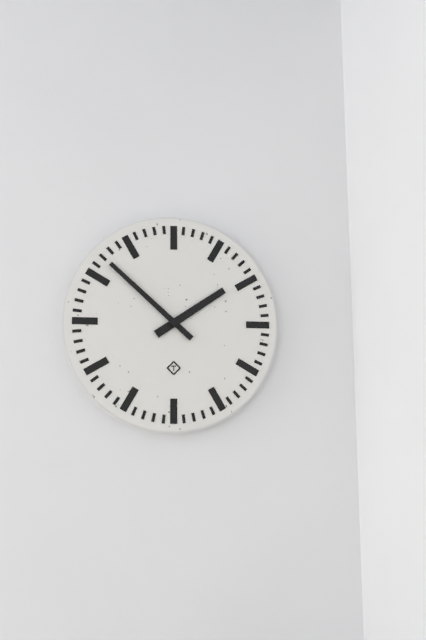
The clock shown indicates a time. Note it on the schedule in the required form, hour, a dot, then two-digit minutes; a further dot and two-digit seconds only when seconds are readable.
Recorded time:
1.52
